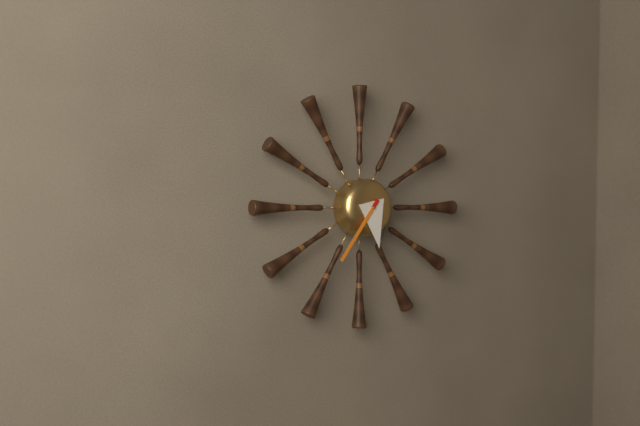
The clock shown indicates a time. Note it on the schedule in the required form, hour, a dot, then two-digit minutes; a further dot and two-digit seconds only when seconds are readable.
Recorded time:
5.36
